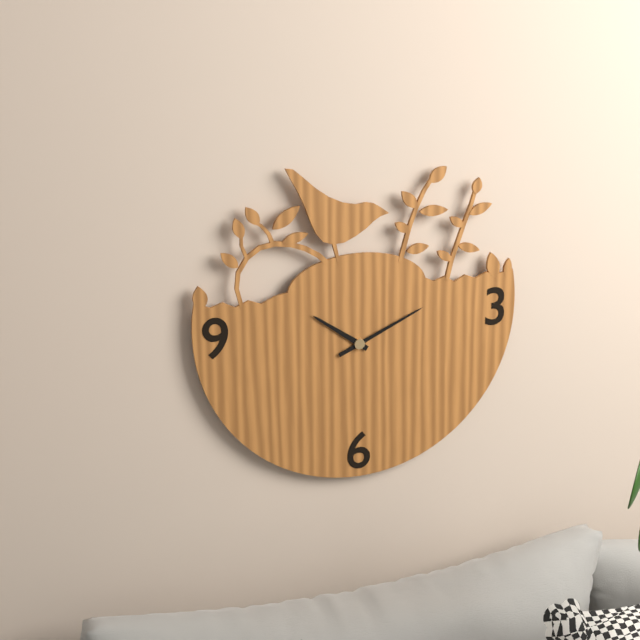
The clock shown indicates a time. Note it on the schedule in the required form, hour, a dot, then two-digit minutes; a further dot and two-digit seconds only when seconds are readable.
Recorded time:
10.11
